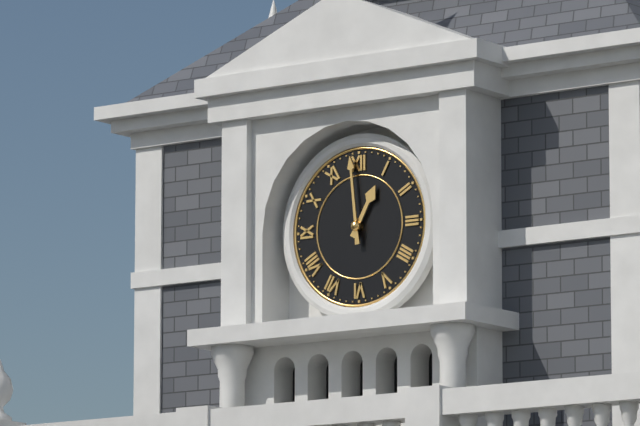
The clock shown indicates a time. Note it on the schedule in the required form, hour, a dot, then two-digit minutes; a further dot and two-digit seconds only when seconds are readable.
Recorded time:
12.59
